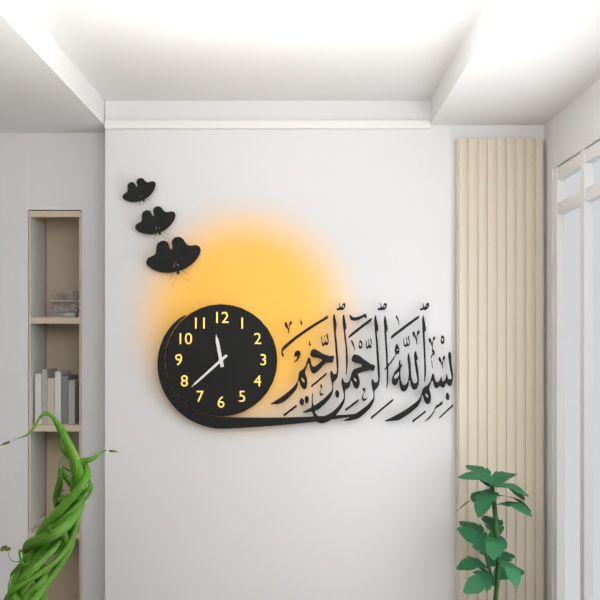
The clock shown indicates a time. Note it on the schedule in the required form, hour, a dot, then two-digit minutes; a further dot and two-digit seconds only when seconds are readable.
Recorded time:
11.38
